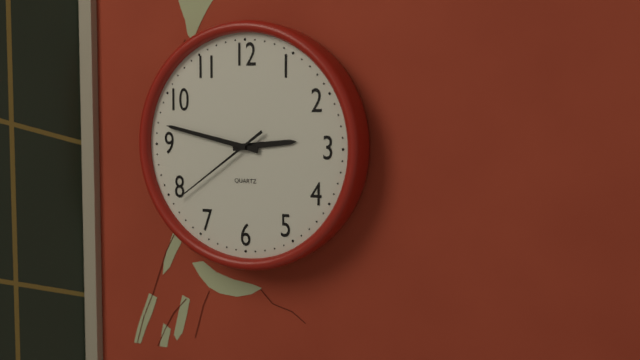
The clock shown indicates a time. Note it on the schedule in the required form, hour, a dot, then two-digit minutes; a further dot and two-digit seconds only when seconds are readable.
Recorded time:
2.47.39
